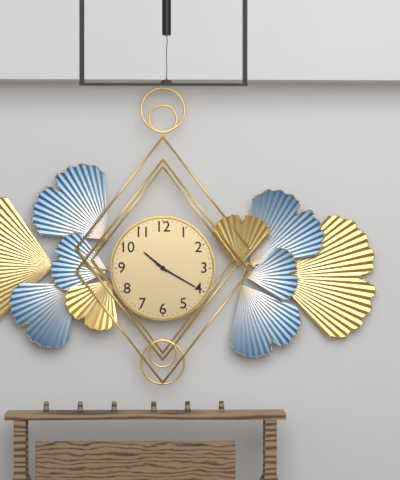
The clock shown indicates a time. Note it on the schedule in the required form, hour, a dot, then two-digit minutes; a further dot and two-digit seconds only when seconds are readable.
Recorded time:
10.20
